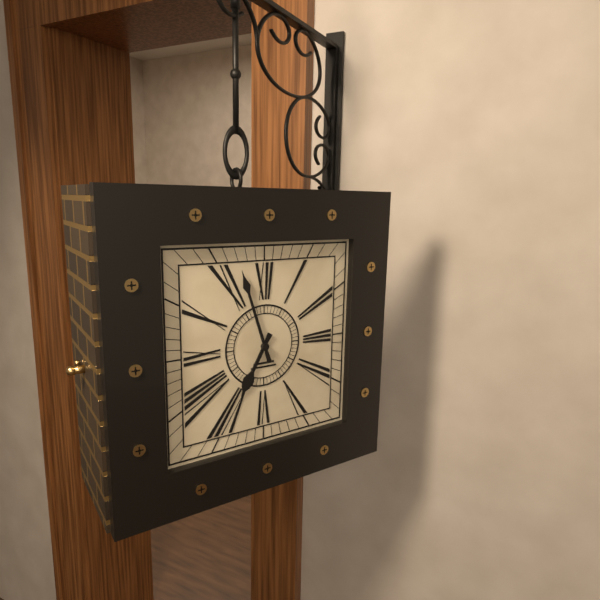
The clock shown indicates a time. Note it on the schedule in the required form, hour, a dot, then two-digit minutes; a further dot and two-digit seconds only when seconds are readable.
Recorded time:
6.57
